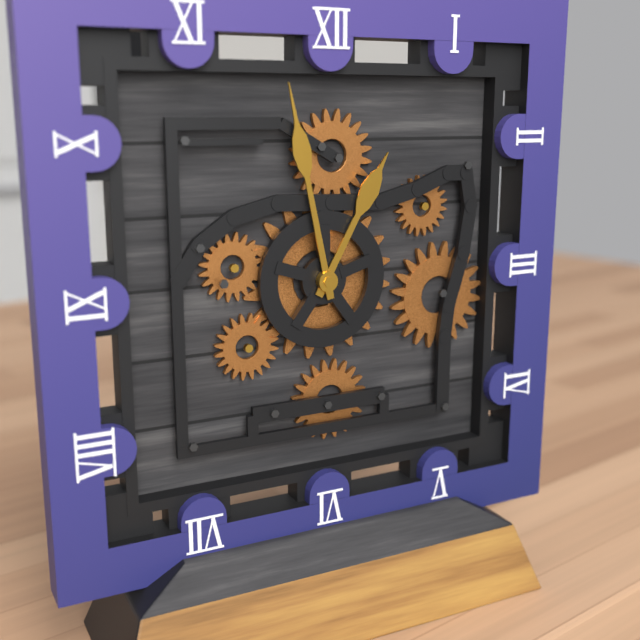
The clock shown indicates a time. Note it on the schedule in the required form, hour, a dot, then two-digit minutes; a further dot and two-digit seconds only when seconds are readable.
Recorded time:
12.58
